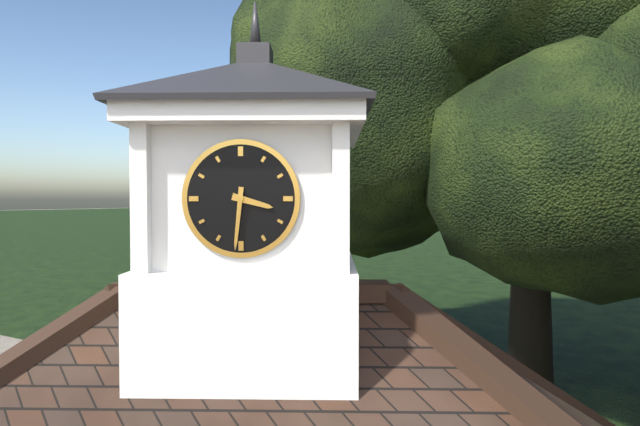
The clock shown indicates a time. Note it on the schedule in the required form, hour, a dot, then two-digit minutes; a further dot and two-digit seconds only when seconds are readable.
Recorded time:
3.31
